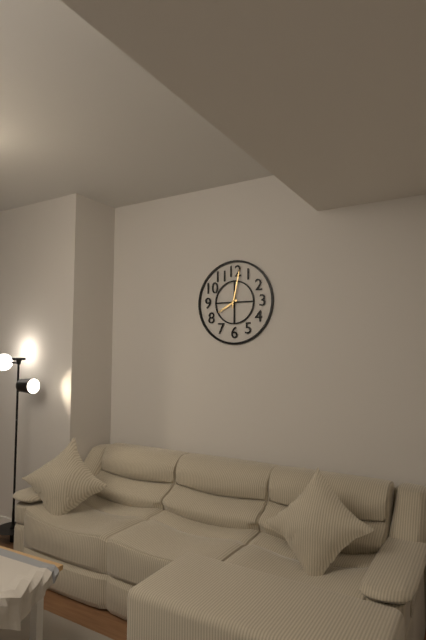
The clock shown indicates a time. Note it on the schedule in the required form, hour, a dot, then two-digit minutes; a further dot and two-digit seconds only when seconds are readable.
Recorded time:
8.02
